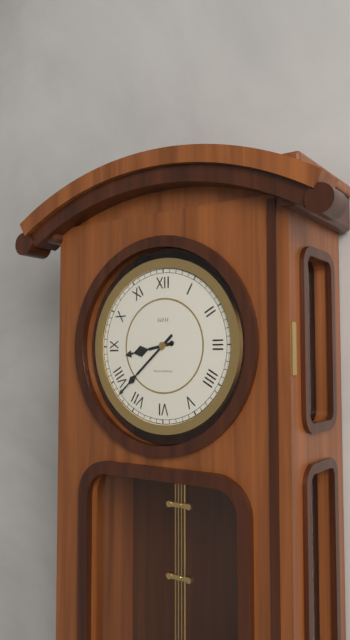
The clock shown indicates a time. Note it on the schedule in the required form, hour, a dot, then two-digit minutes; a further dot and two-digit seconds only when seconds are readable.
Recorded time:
8.38
